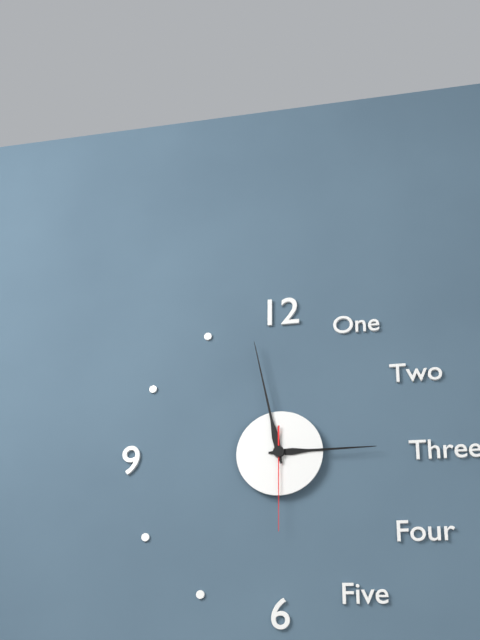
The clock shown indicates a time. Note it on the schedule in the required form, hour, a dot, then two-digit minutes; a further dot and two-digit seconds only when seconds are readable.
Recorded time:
2.58.30
